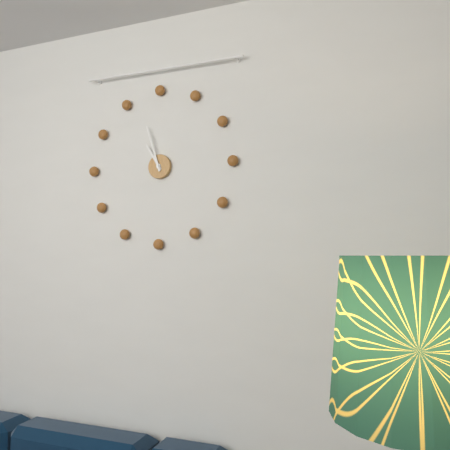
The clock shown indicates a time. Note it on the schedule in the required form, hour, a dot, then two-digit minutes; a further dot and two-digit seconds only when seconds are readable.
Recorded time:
10.57
